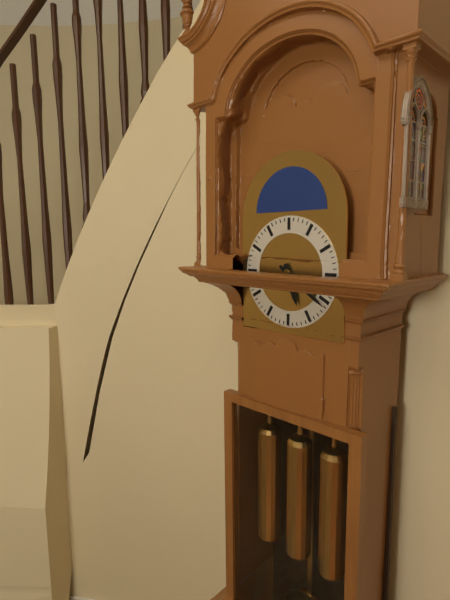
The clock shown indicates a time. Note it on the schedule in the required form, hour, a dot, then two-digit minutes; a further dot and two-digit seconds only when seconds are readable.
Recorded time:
5.21
